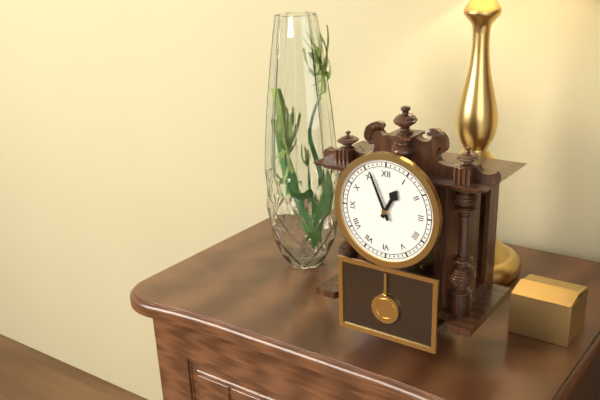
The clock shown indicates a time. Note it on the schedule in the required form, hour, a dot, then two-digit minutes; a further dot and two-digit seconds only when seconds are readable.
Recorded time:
12.56
